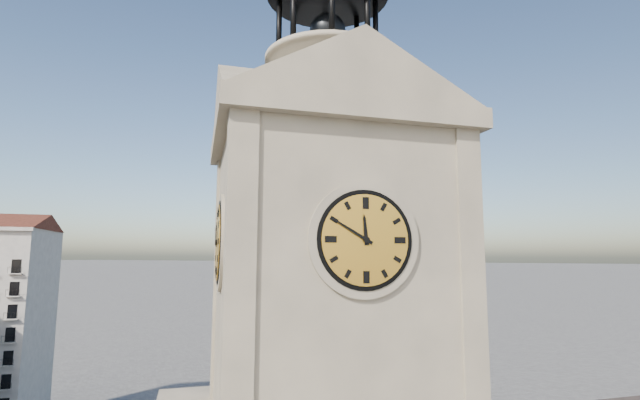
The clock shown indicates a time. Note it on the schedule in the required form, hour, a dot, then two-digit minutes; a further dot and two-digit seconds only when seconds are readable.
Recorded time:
11.50
